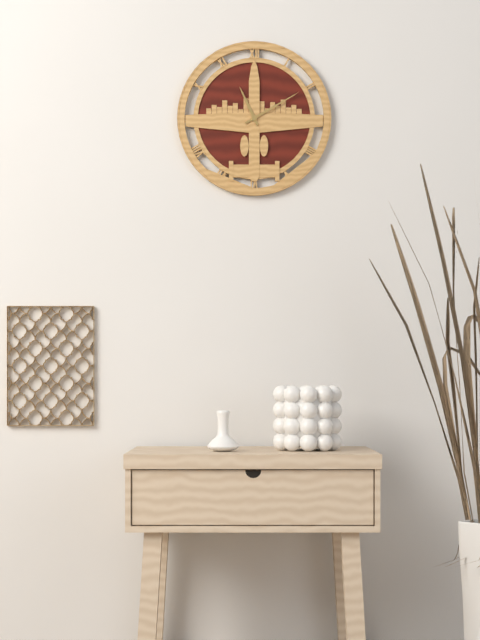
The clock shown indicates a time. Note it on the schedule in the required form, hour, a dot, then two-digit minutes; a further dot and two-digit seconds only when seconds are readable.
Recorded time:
11.10
